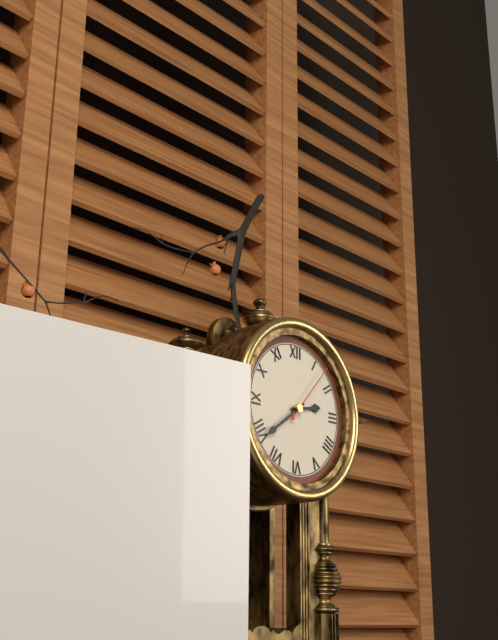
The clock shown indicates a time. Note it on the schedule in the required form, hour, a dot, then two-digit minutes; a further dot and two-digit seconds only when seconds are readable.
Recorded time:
2.39.07
